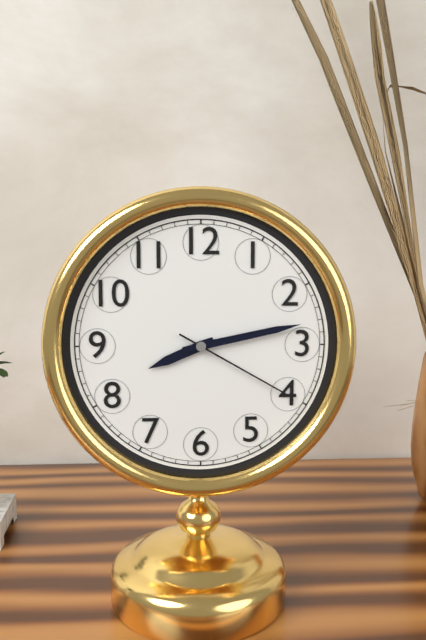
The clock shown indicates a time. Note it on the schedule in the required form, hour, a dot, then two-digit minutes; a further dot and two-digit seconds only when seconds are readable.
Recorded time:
8.13.20
